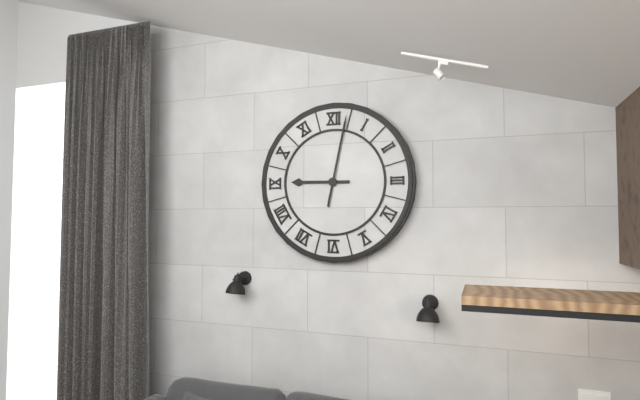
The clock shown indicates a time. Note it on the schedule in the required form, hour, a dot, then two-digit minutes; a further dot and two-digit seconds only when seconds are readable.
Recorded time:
9.02
